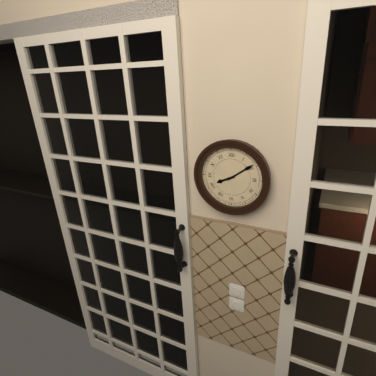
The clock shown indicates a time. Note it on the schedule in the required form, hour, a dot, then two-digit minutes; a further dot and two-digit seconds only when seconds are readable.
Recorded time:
8.09
